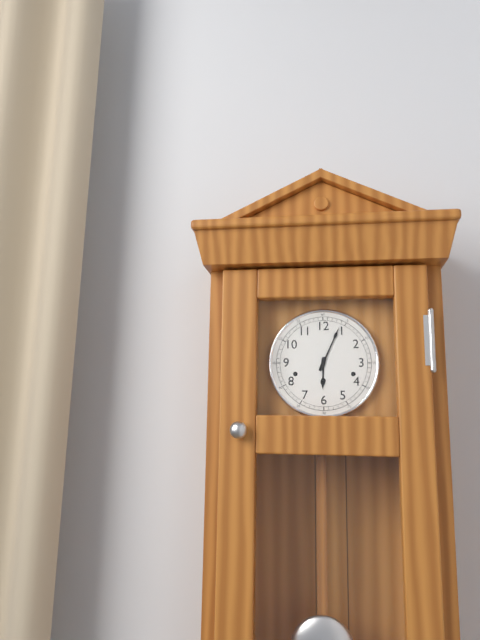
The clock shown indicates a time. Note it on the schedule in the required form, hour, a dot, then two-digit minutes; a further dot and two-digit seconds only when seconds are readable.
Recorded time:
6.04
